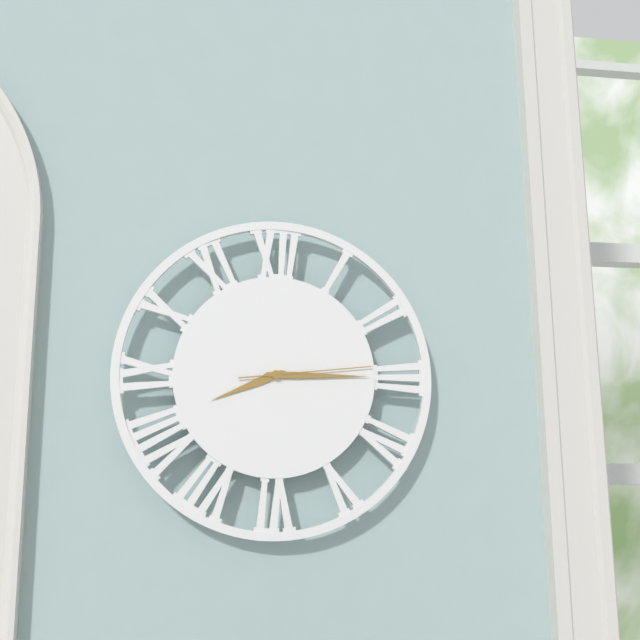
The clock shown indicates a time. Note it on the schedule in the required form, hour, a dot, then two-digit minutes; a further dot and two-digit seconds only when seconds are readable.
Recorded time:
8.15.14
